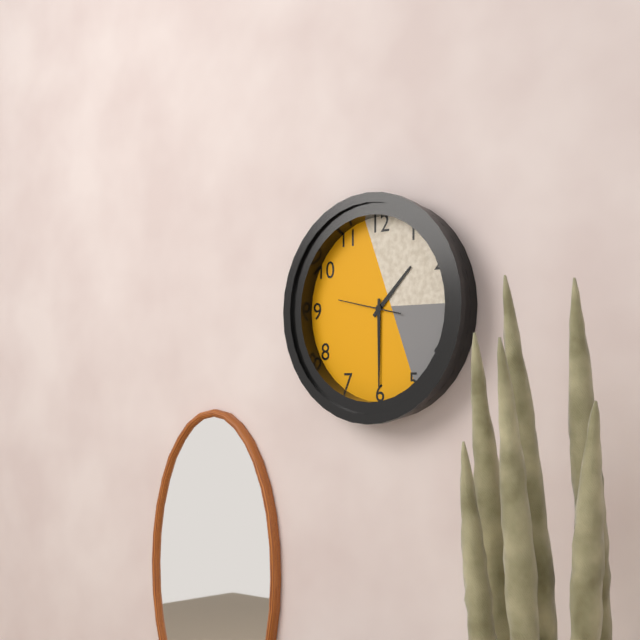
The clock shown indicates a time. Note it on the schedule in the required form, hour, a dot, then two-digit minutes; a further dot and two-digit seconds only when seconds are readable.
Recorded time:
1.30.47
